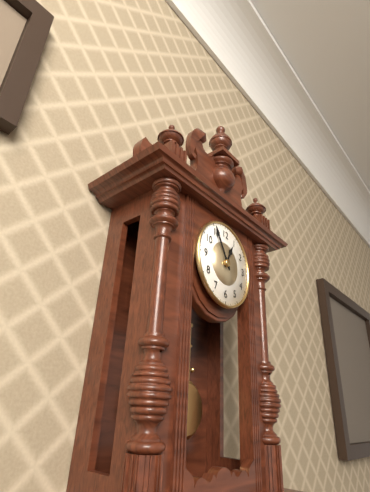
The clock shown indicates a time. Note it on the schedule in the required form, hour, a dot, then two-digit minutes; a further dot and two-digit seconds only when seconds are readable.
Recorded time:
12.55
